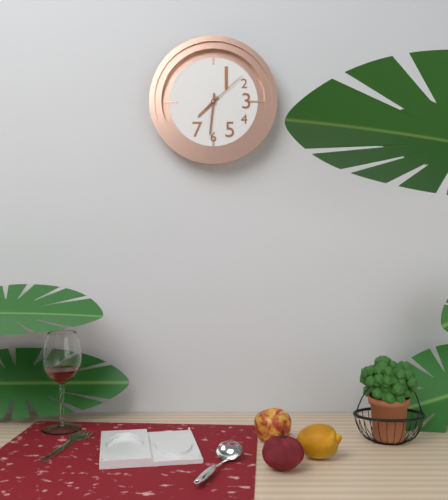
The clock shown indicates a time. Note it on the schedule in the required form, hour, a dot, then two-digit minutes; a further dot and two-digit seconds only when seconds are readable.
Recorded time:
7.31
